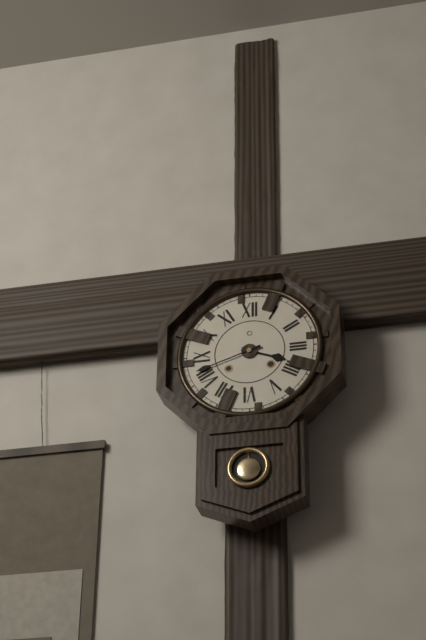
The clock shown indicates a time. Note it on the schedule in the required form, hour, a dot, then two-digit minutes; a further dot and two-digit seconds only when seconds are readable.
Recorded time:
3.42
